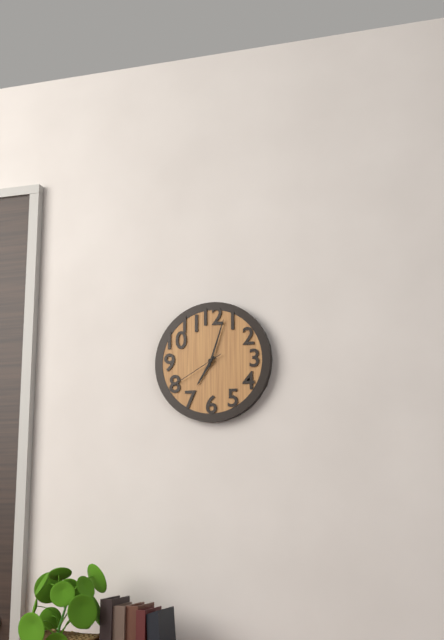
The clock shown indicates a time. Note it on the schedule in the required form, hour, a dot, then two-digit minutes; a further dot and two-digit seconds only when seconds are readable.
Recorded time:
7.03.40
